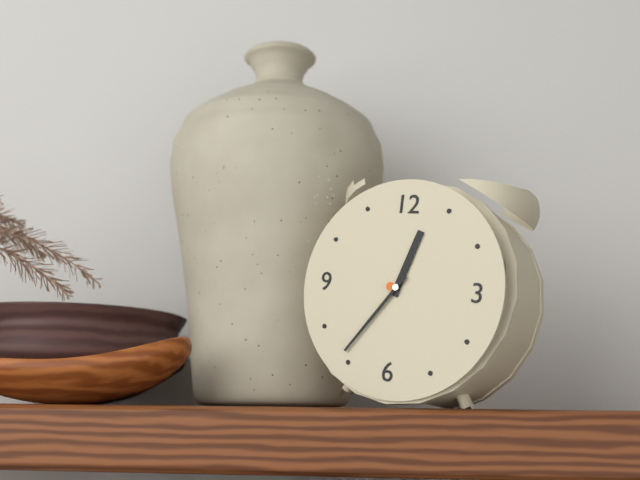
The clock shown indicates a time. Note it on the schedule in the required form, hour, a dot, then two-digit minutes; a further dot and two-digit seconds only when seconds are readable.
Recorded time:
12.36
